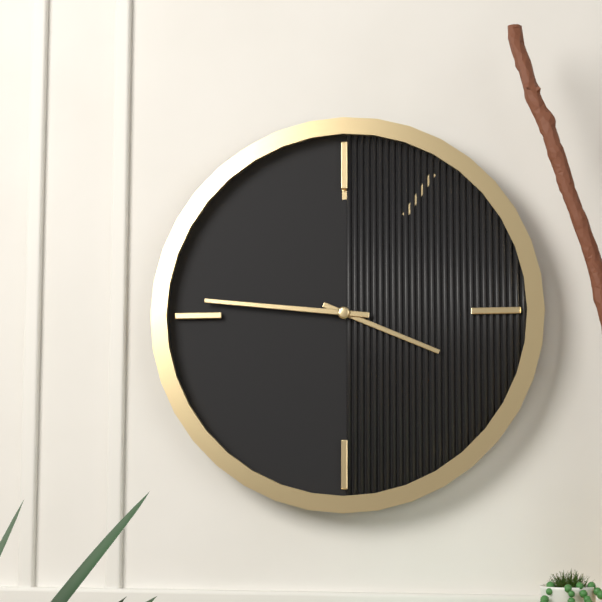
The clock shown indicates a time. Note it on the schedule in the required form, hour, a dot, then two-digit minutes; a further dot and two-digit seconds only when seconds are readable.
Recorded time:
3.46
